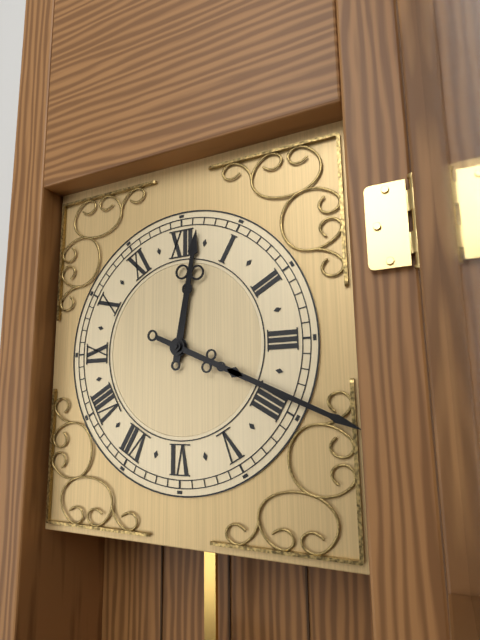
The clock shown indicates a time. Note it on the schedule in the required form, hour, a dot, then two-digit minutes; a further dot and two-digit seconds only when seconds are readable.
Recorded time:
12.19
